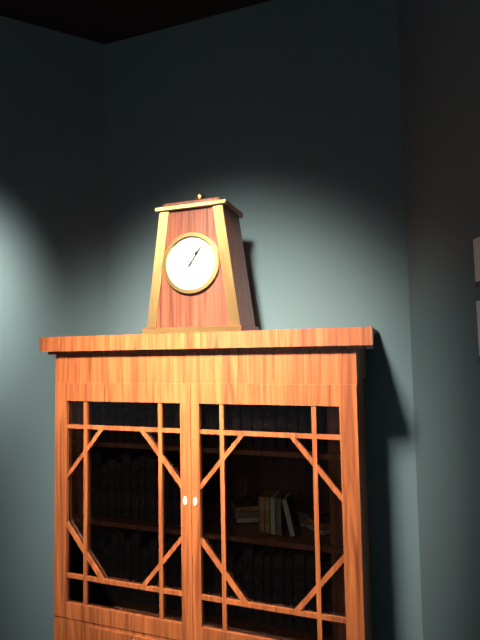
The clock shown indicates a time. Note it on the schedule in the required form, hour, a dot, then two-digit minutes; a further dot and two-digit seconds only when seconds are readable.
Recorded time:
1.06
